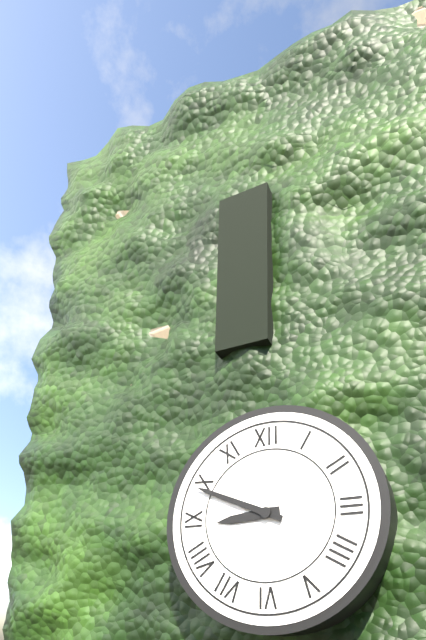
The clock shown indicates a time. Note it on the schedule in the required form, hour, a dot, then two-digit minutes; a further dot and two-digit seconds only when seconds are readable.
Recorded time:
8.49
